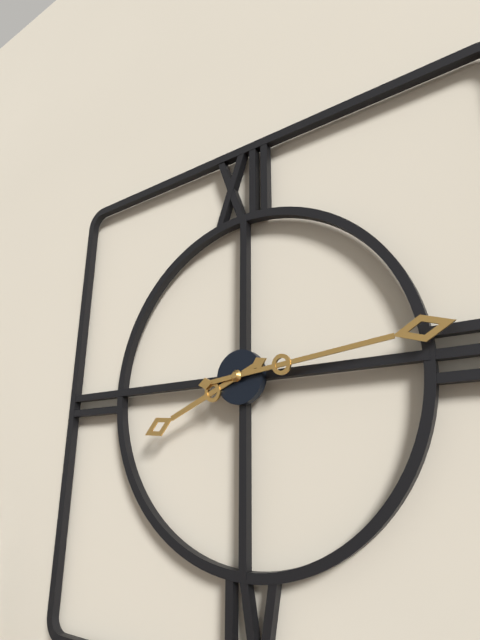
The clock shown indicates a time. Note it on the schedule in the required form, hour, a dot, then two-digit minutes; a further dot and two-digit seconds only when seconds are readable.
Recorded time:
8.14
